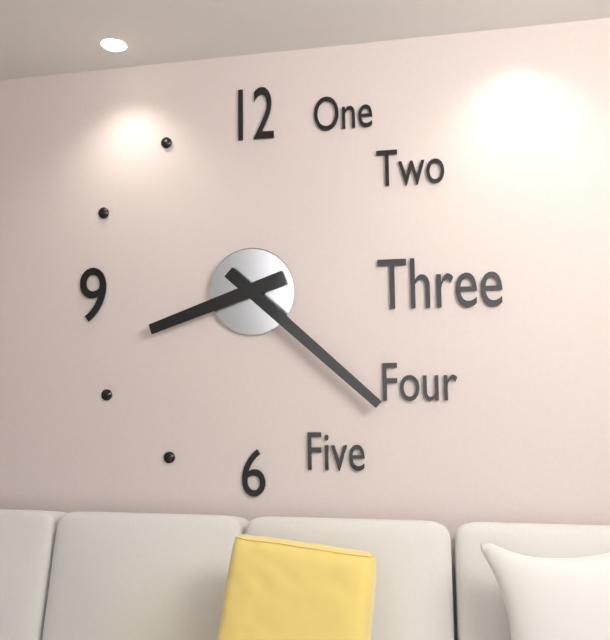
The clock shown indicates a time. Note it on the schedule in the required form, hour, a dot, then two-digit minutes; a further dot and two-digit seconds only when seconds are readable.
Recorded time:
8.22
